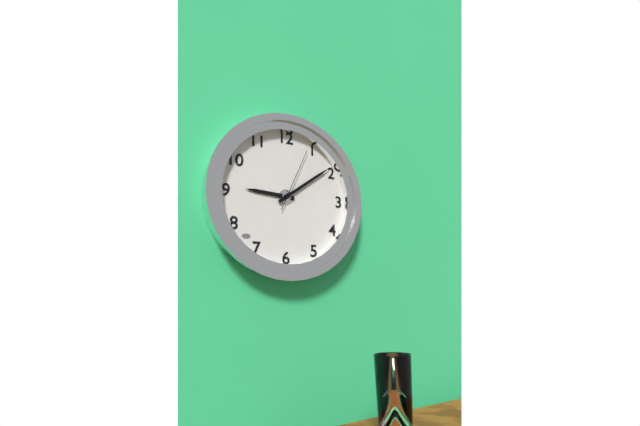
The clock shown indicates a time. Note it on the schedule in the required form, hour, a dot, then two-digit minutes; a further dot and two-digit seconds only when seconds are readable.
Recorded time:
9.09.04
